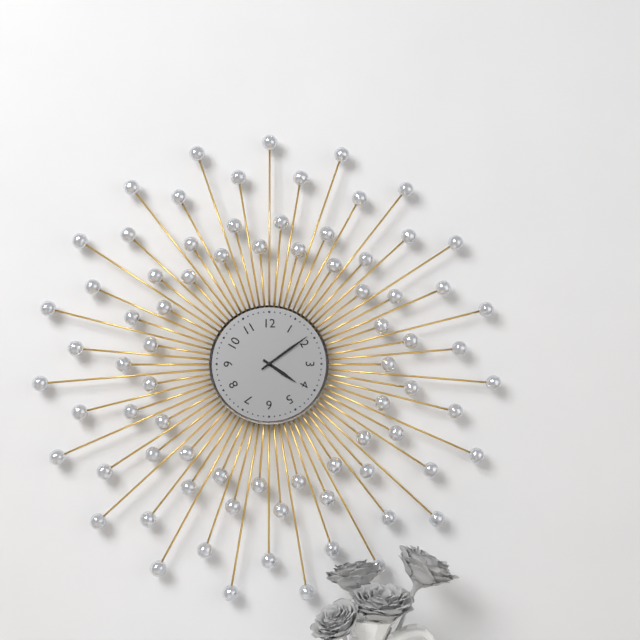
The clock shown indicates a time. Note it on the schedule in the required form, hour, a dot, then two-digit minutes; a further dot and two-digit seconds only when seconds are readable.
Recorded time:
4.09
